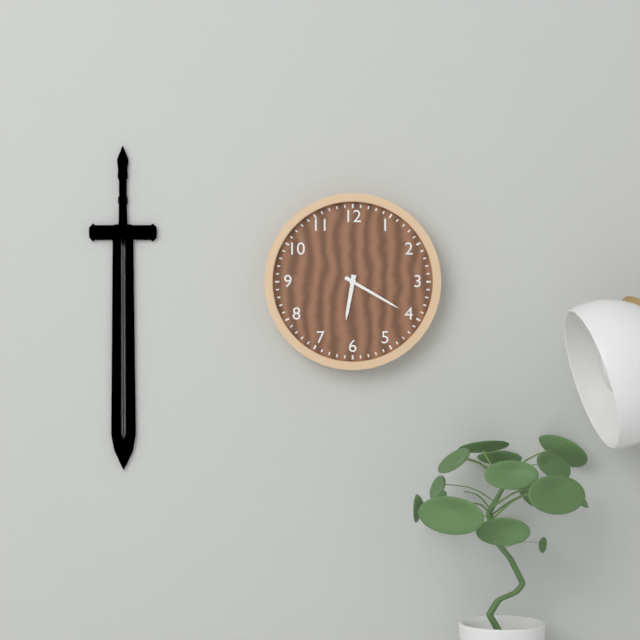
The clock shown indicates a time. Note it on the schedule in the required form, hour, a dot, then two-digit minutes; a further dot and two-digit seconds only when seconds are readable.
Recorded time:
6.20
